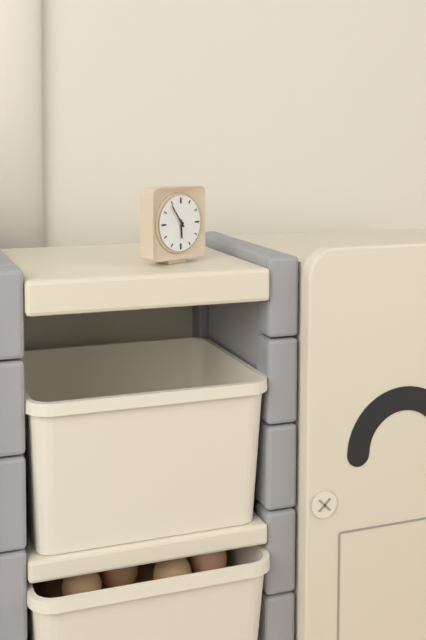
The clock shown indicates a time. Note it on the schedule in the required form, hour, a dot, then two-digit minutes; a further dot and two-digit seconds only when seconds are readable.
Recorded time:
5.54
